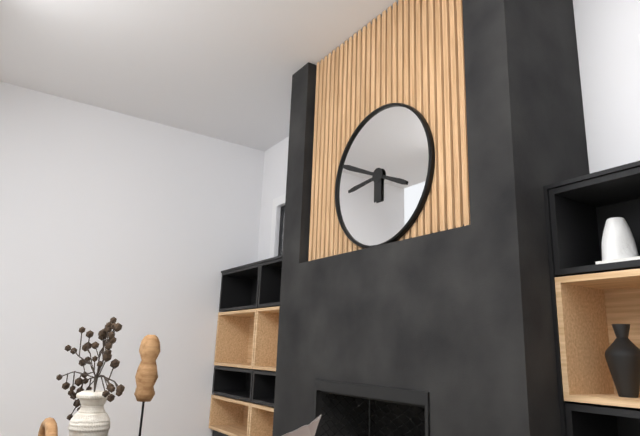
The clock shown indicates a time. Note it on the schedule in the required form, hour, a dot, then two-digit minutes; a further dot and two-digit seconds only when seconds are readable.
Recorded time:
8.49
